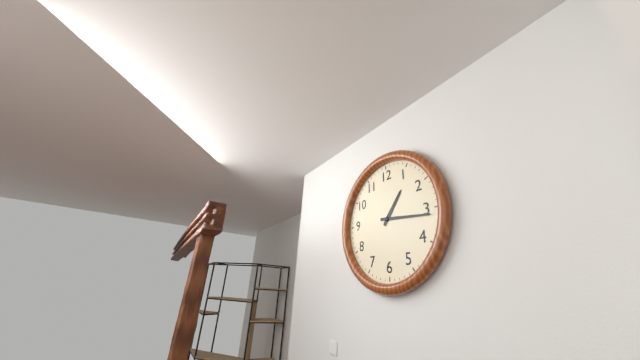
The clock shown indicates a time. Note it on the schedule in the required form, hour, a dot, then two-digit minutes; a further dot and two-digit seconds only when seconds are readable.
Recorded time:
1.16
